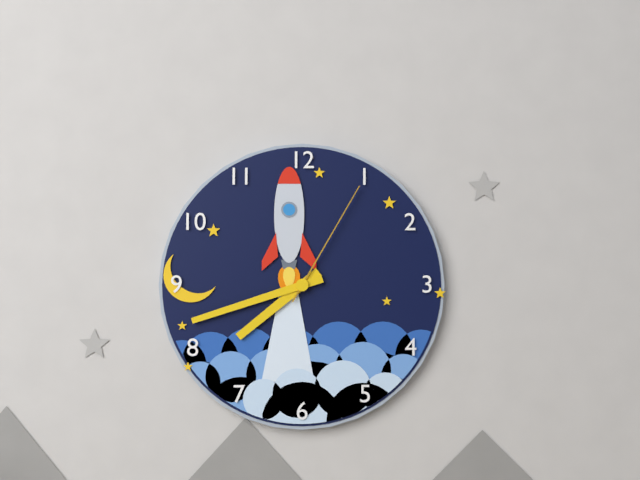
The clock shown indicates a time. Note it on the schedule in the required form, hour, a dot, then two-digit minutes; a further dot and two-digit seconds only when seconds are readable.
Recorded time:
7.42.05
